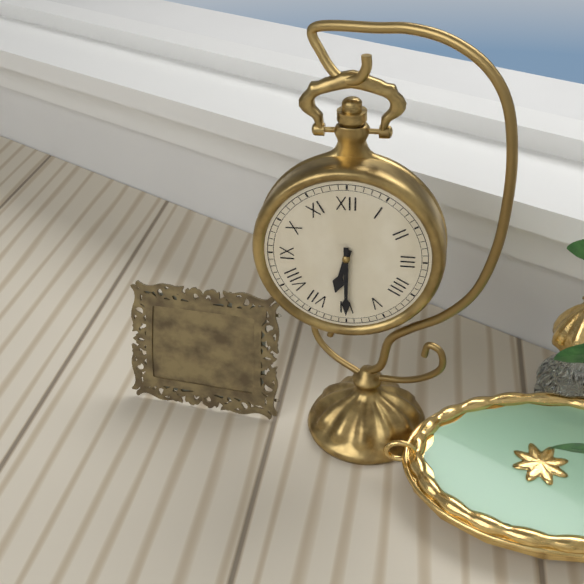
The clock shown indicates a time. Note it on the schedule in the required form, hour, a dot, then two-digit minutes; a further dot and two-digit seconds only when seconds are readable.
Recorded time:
6.30
